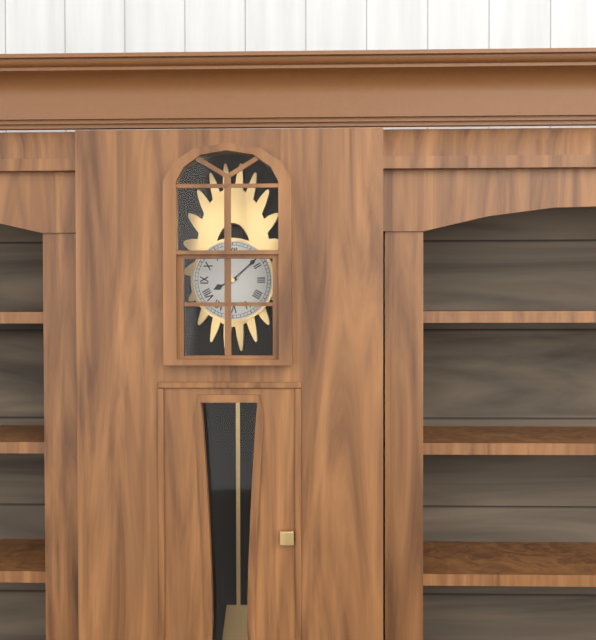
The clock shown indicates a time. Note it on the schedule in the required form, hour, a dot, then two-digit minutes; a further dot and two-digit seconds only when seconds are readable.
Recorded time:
8.08
